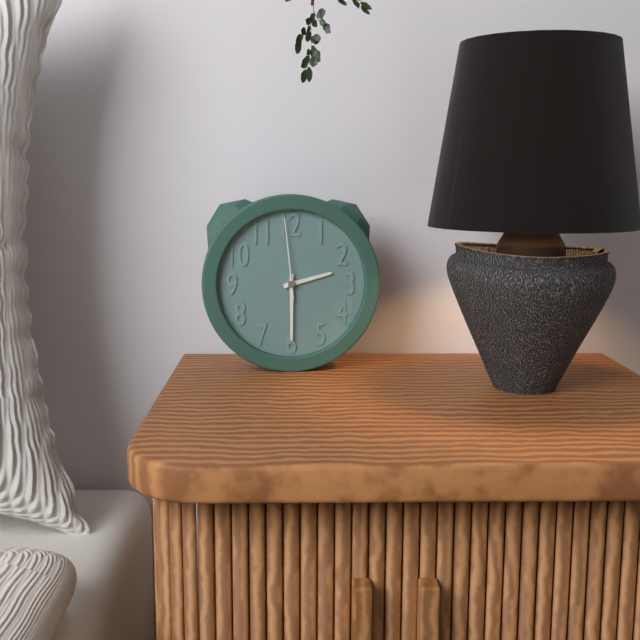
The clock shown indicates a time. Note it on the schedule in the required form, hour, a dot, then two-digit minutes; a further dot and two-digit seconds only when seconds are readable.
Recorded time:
2.30.59
